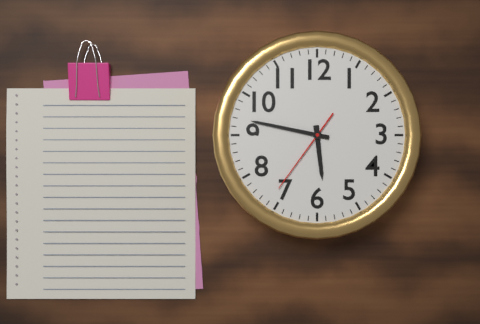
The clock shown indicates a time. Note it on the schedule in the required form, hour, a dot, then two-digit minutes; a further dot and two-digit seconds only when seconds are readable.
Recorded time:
5.47.36
